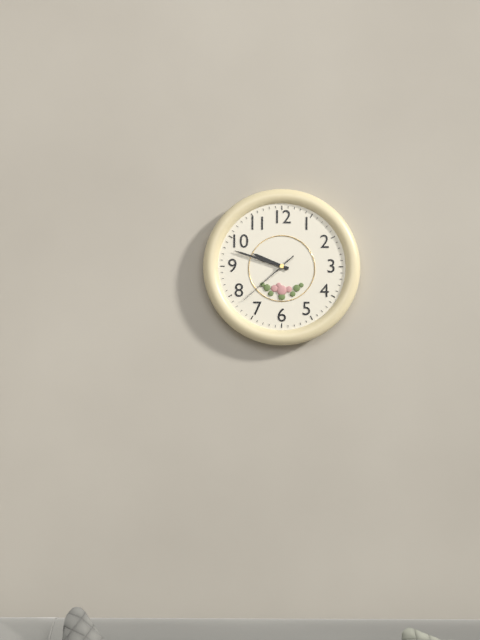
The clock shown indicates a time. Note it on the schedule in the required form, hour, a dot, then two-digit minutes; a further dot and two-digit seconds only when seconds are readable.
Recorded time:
9.48.38
